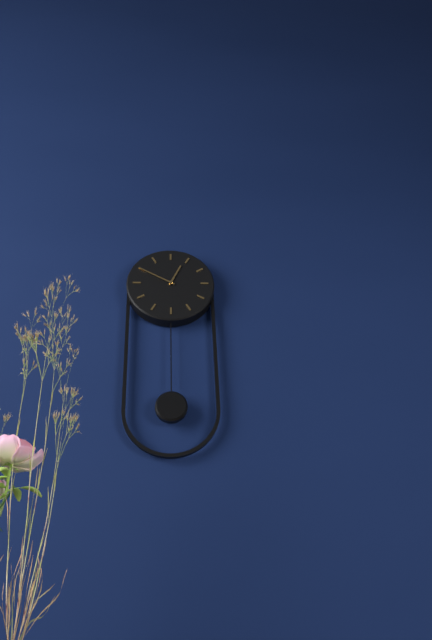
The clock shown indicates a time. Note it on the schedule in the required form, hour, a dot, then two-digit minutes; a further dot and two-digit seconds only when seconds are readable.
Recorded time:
12.50
